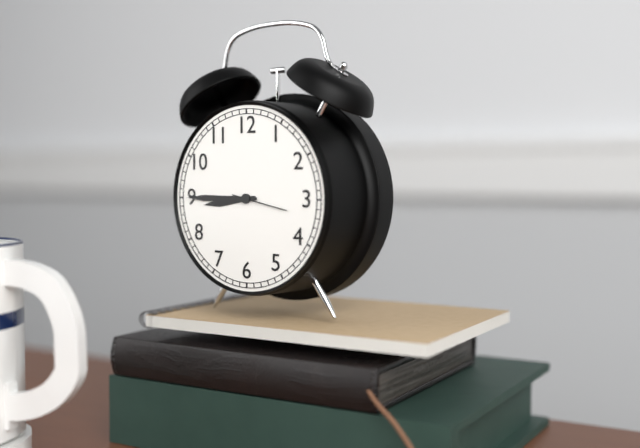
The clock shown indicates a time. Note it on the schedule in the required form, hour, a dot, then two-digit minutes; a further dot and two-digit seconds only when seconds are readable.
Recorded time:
8.45.17
